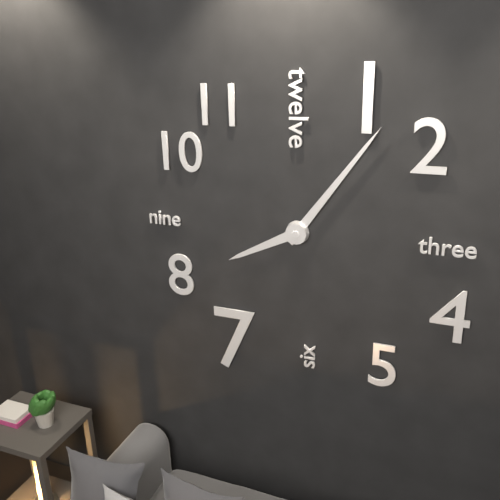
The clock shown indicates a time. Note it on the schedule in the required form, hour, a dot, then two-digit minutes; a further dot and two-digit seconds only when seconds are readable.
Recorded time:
8.06
